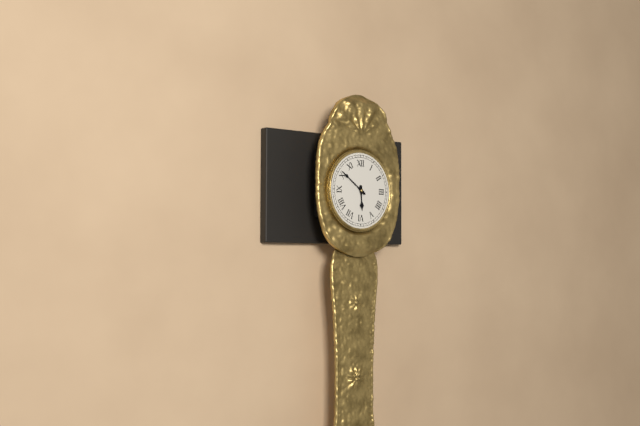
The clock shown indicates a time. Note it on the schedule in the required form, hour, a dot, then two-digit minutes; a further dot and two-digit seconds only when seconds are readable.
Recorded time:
5.51
